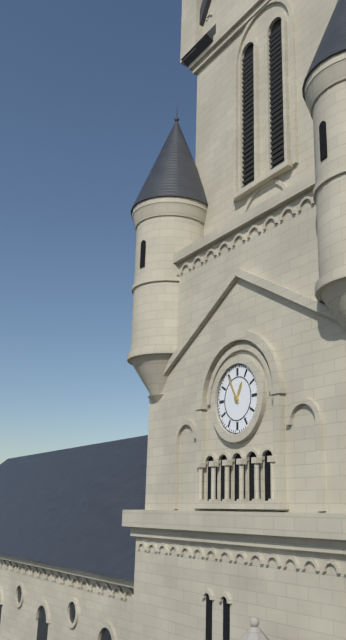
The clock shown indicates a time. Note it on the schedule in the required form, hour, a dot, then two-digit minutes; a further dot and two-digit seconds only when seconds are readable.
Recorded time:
12.55
